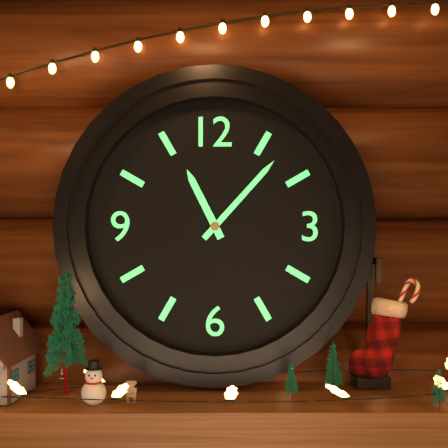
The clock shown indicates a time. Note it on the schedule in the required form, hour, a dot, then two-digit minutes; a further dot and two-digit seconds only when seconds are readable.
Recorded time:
11.07
